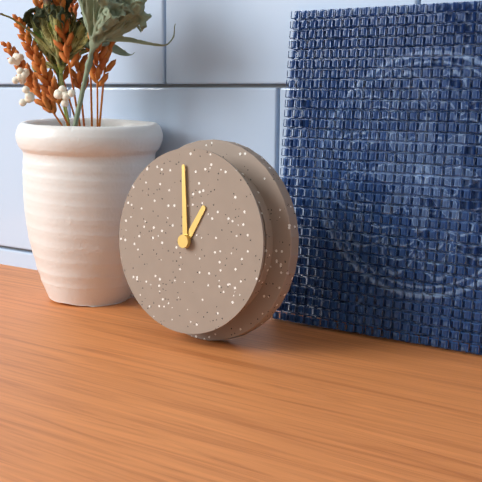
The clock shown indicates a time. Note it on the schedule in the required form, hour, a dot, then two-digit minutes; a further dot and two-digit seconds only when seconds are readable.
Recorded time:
12.59
